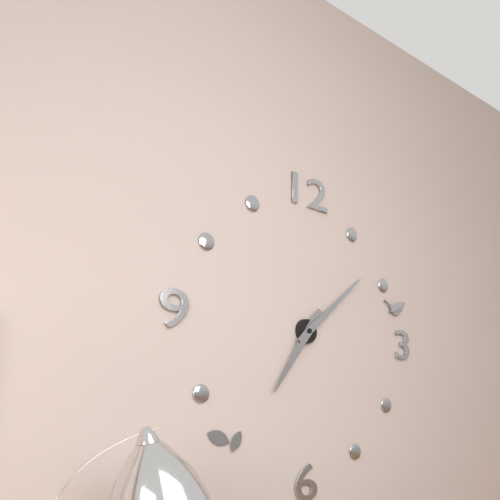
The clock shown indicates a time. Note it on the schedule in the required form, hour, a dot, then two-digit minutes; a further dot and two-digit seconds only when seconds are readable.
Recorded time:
7.08
